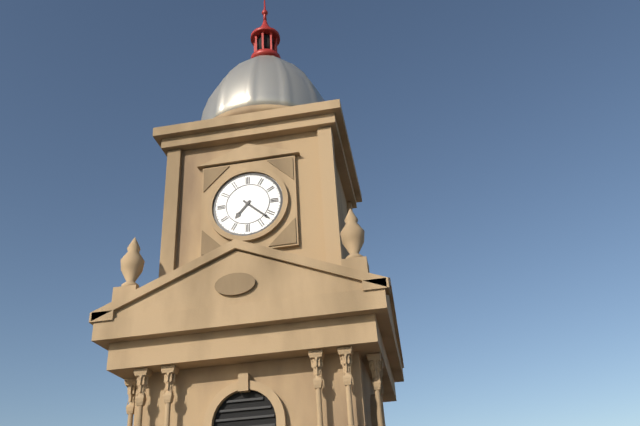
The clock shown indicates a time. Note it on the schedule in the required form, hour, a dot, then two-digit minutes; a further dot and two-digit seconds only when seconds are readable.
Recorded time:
7.22
